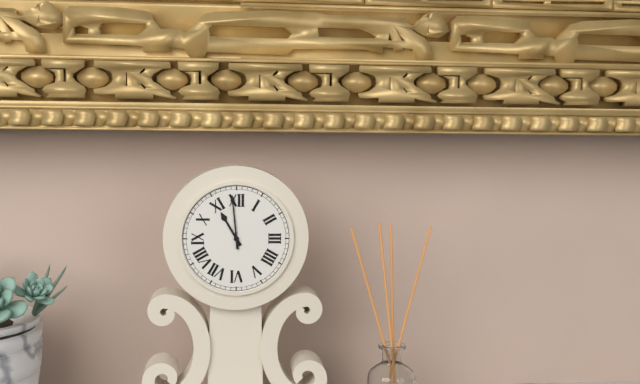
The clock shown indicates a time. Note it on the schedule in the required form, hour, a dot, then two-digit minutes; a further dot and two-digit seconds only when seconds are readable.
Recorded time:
10.59
